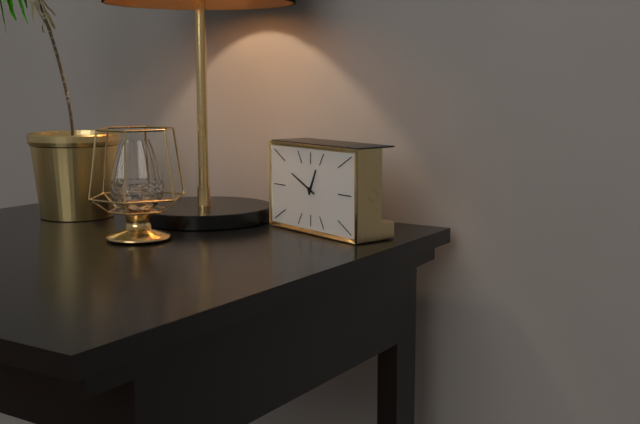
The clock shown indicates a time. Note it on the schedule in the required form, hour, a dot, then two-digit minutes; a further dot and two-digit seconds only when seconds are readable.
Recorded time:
12.49
